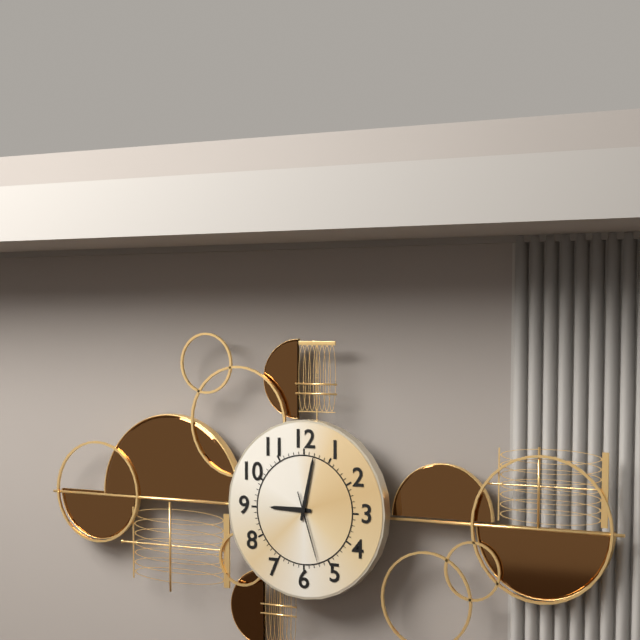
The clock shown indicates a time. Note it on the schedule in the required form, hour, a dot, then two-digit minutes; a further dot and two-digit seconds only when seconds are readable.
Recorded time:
9.02.27
